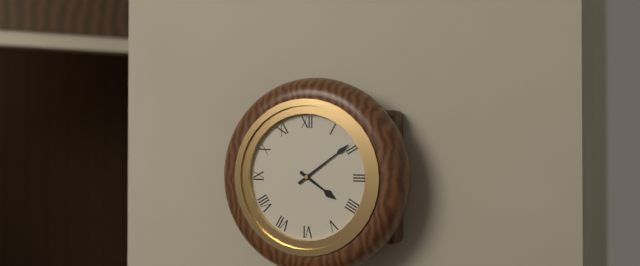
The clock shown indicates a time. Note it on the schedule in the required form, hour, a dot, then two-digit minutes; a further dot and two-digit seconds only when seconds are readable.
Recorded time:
4.09
